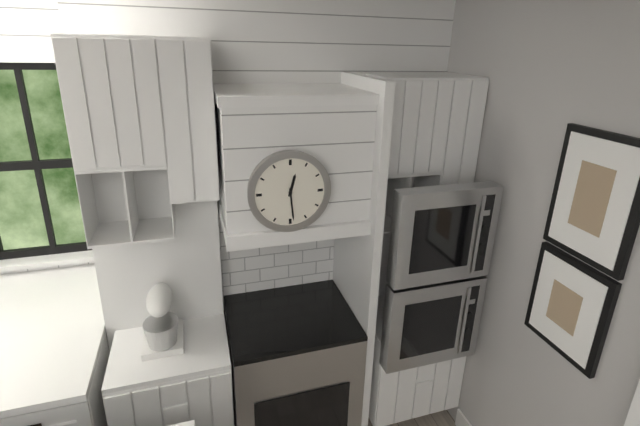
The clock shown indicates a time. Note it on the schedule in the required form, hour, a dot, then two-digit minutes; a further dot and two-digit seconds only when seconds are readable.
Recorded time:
12.29
